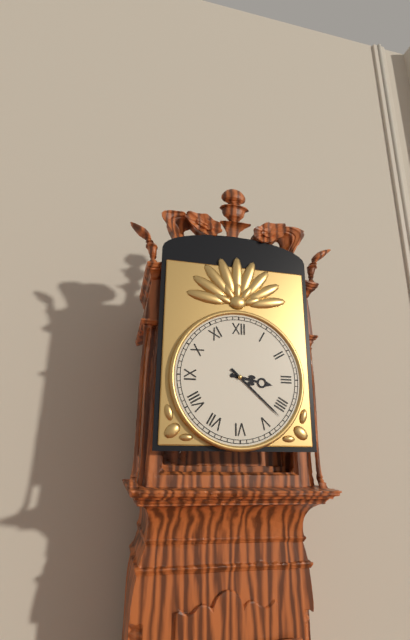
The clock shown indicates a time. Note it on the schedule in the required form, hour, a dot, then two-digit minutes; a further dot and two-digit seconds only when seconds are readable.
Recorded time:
3.22
